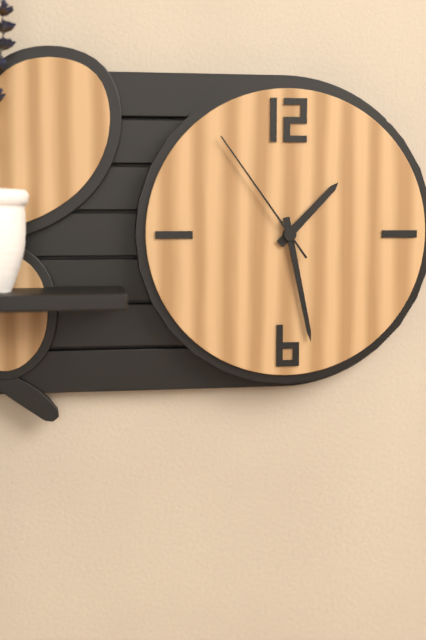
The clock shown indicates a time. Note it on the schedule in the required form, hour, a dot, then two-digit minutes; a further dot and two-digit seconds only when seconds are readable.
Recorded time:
1.28.54
